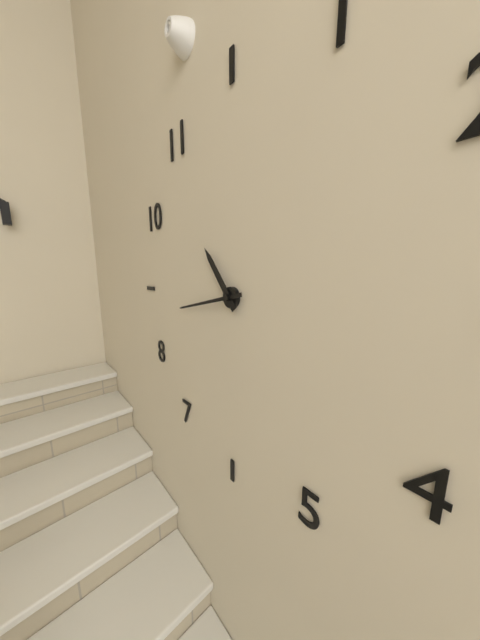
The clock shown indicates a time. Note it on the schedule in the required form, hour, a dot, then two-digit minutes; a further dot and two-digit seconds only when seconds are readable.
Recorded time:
10.43
